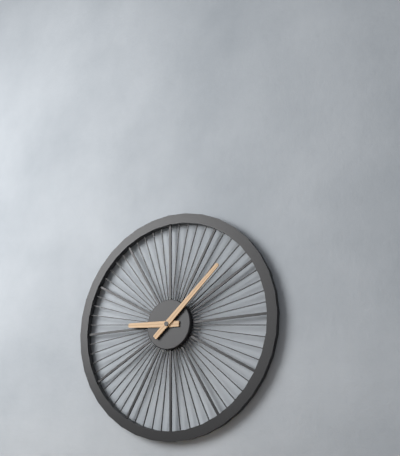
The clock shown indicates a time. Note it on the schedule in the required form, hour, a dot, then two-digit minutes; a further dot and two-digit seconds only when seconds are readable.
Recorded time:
9.08
